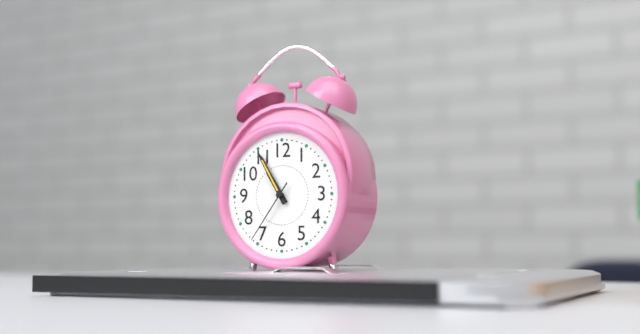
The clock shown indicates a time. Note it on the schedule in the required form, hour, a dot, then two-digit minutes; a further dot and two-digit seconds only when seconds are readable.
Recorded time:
10.55.36
